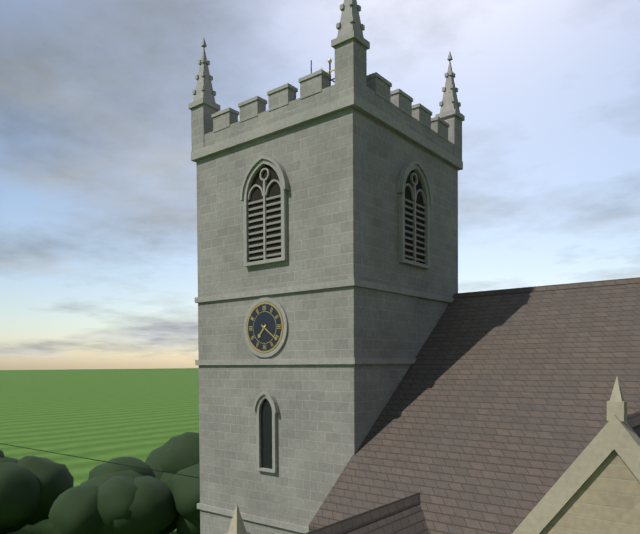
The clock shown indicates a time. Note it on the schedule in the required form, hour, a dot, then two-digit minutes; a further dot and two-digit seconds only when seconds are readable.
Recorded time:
7.21
